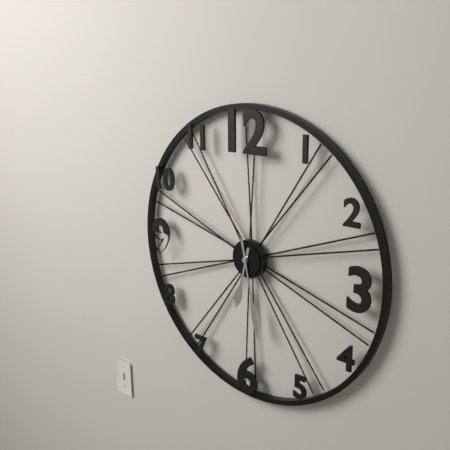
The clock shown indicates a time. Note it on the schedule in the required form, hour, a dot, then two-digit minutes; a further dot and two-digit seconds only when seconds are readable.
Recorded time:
6.28
